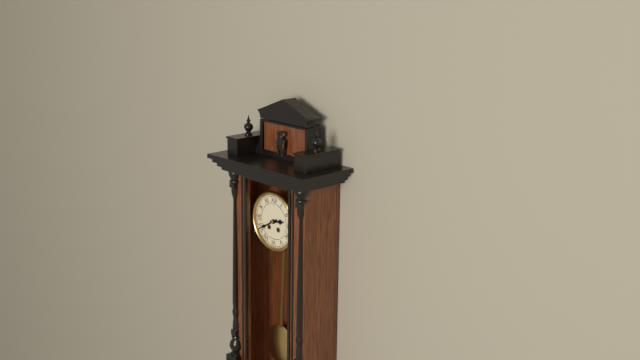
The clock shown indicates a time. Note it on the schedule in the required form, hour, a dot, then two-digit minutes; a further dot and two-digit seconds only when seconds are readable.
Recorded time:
2.40
